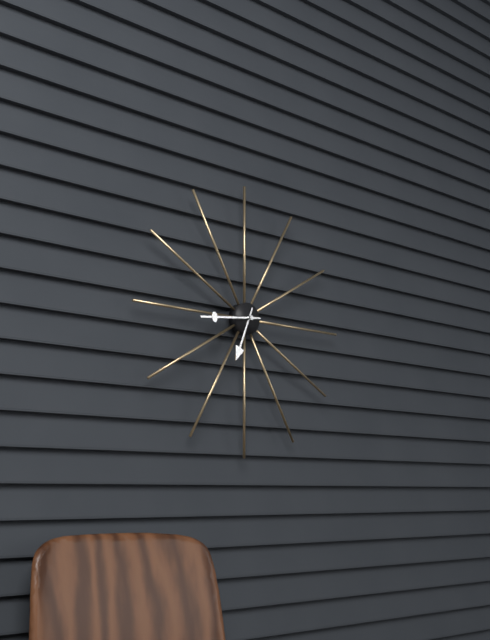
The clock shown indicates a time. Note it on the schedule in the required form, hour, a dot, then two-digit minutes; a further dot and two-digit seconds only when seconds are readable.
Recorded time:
6.44
